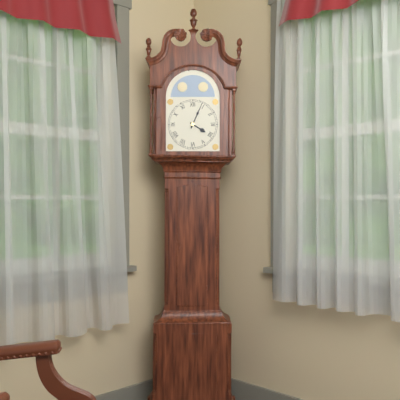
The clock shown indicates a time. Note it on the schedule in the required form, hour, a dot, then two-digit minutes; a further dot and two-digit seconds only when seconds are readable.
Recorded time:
4.04
